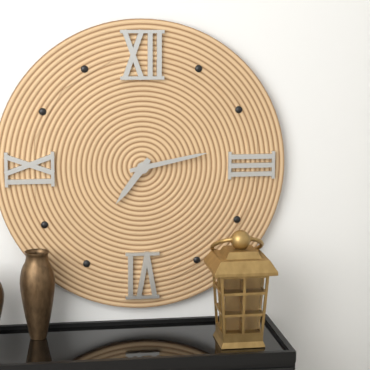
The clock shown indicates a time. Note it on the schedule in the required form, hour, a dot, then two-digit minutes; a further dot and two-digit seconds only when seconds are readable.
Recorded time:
7.13
